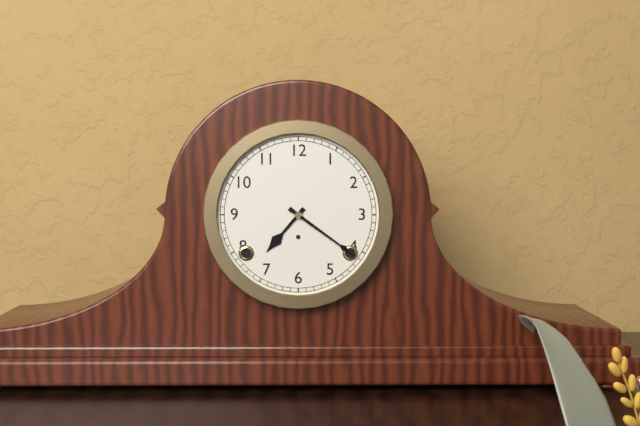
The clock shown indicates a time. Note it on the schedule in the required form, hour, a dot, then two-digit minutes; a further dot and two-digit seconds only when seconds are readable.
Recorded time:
7.21
